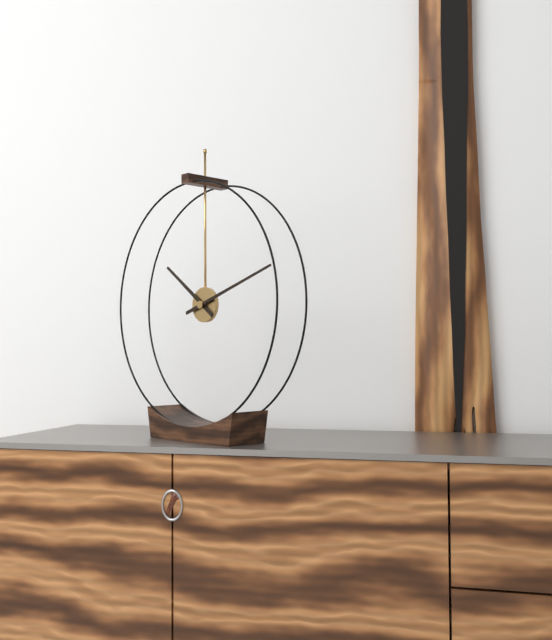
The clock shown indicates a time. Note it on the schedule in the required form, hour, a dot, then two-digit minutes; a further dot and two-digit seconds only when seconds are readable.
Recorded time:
10.12
